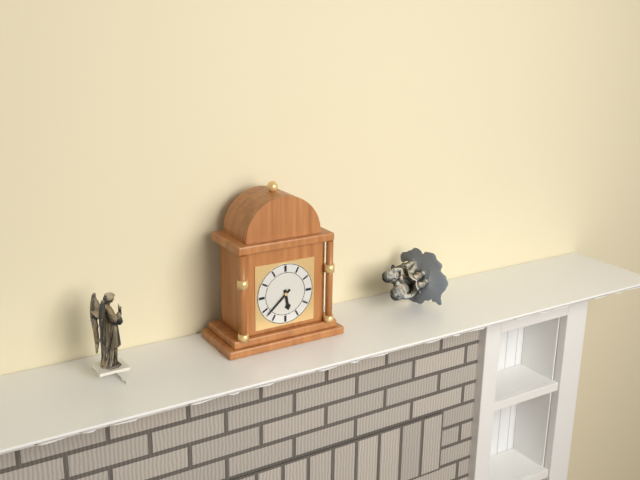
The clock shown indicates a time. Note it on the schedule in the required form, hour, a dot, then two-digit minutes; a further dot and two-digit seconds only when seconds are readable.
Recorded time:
5.38
